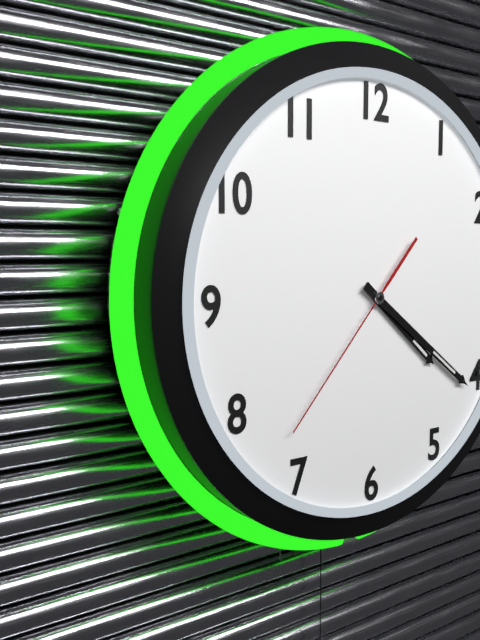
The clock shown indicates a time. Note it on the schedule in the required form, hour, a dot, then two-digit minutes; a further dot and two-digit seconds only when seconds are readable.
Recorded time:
4.21.37
